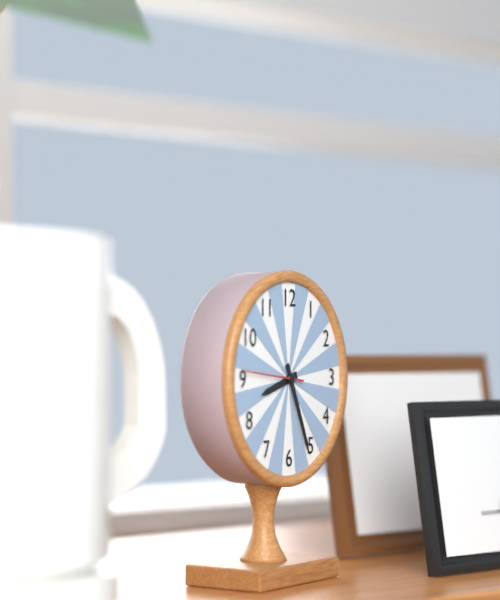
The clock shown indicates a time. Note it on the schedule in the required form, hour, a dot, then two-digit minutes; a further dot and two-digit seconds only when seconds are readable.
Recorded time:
8.26
